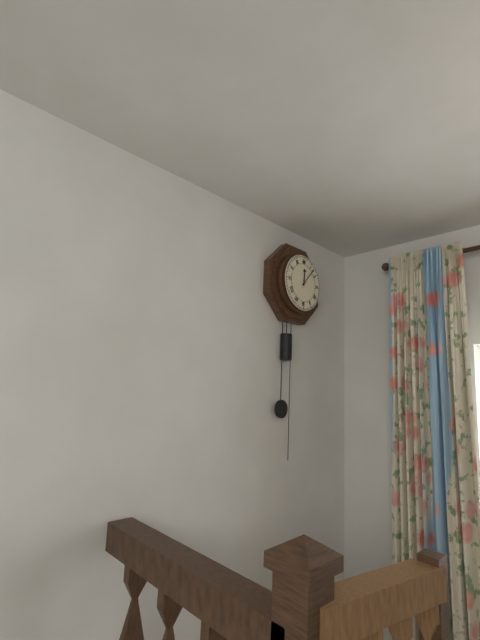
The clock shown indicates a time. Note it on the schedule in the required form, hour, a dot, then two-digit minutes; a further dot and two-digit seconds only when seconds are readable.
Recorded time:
12.07
